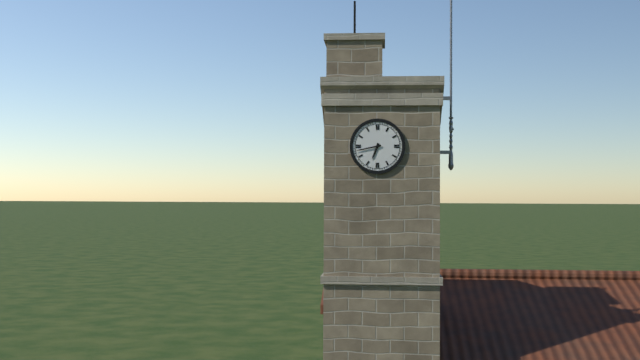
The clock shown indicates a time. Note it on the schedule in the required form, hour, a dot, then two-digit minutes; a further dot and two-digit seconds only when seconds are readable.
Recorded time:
6.43
